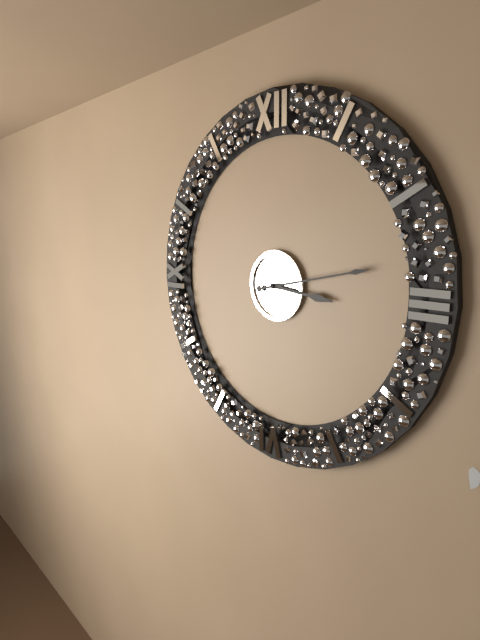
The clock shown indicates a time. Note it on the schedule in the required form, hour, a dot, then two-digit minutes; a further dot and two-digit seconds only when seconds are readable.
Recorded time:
3.13
